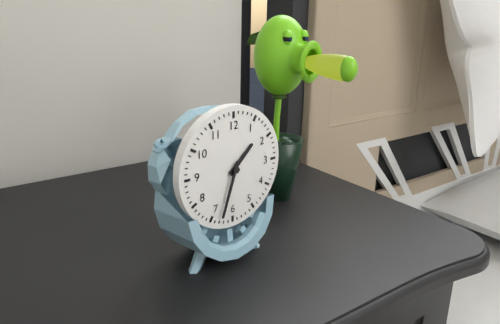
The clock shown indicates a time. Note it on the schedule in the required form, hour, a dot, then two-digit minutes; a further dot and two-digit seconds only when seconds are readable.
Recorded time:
1.33
